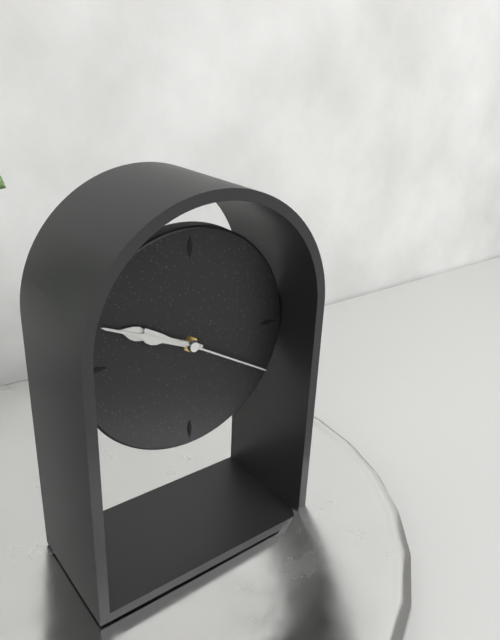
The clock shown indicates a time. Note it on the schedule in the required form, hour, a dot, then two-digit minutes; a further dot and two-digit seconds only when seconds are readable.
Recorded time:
9.49.20
